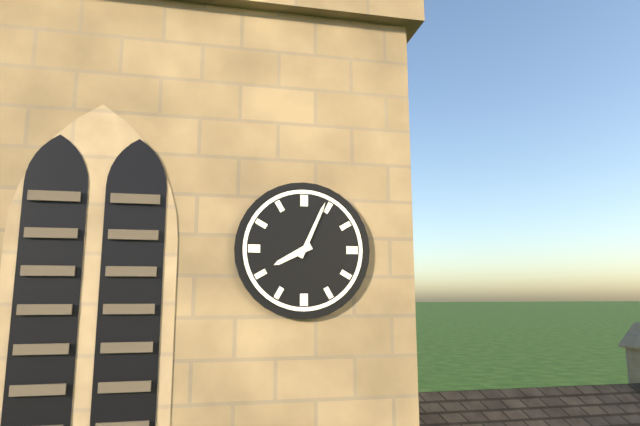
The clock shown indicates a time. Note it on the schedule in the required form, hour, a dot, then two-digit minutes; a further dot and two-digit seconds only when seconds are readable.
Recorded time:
8.04
